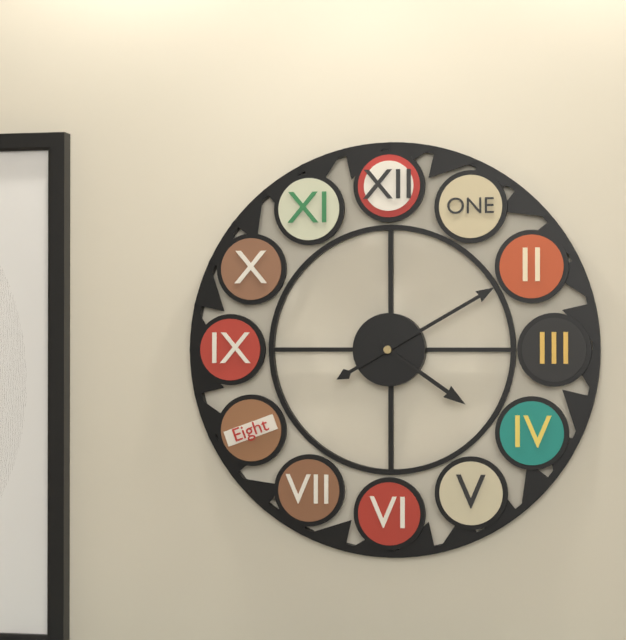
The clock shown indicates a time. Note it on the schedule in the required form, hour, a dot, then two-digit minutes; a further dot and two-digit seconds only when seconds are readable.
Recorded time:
4.10
